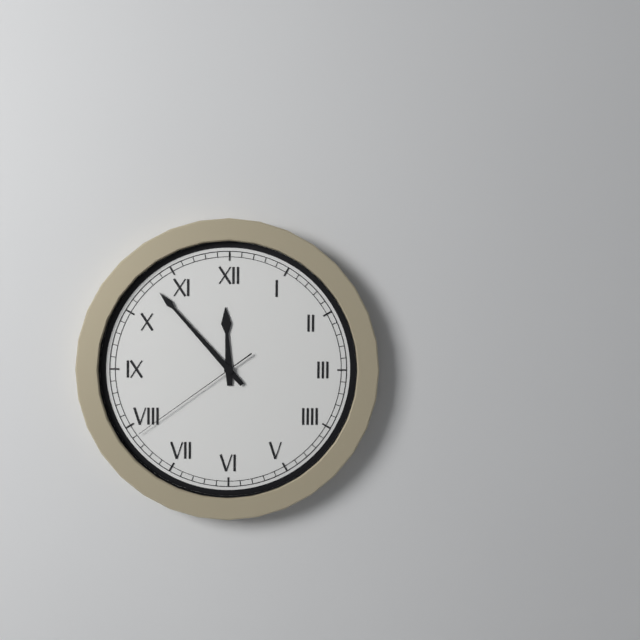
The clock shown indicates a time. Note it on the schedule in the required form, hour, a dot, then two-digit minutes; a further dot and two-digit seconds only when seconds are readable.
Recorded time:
11.53.39
